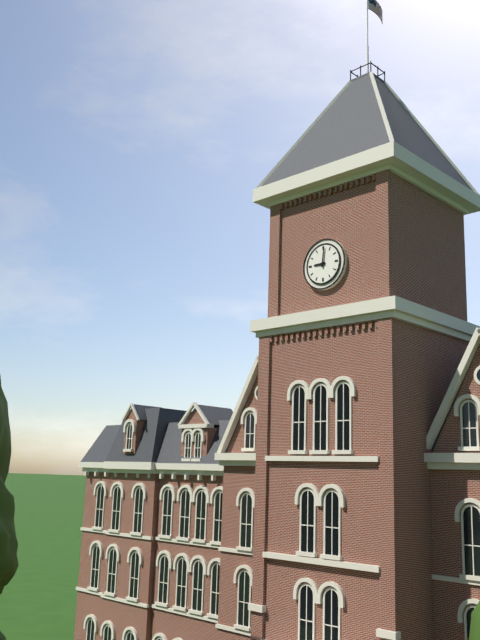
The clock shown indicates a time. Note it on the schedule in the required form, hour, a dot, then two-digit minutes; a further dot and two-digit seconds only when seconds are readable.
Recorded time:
9.01
